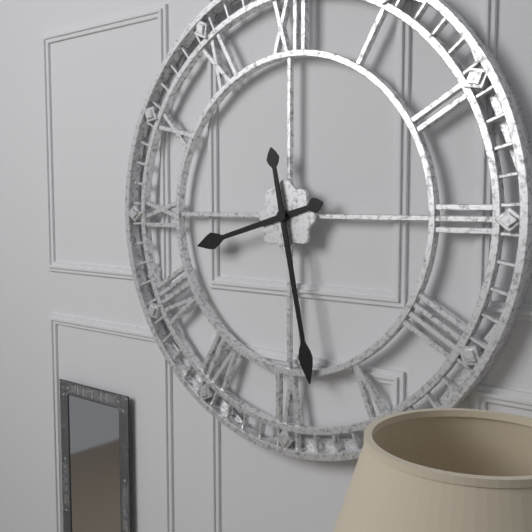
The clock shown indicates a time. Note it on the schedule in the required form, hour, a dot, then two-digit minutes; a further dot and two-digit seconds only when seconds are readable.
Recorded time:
8.28
